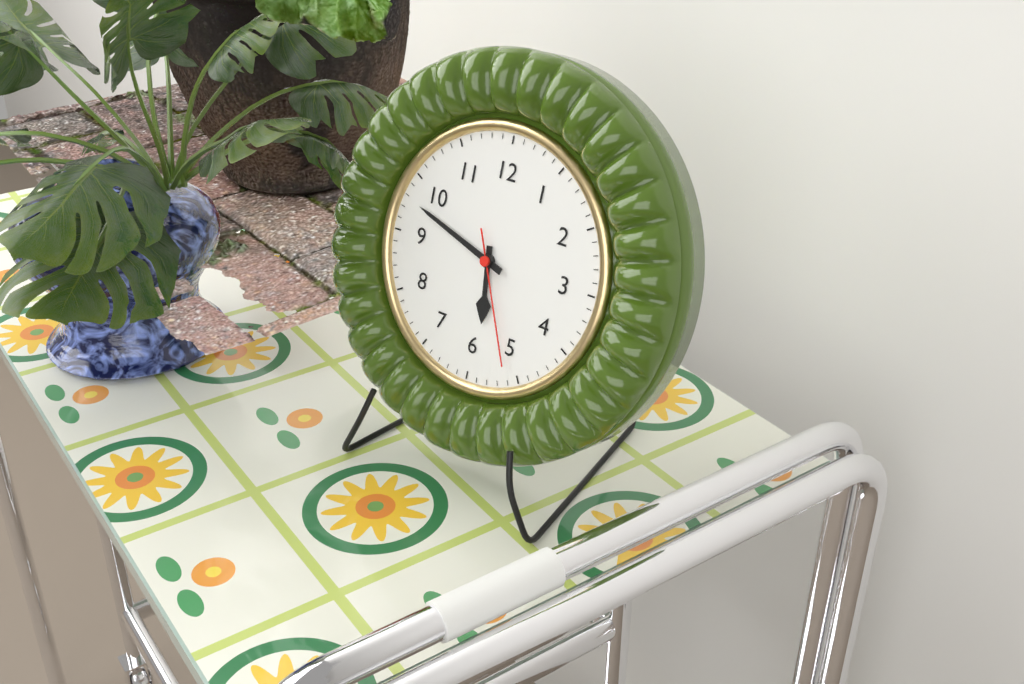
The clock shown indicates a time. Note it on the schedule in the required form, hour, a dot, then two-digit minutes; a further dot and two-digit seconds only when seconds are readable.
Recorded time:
5.48.26
